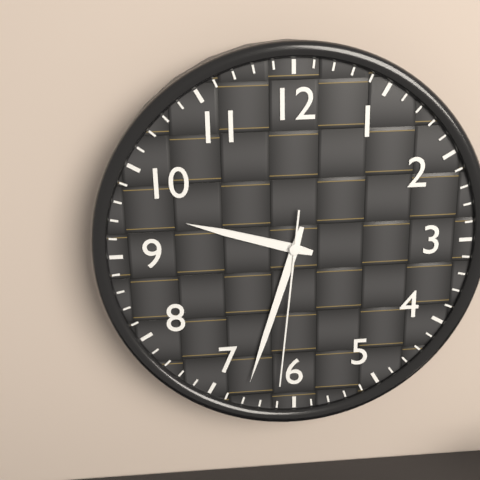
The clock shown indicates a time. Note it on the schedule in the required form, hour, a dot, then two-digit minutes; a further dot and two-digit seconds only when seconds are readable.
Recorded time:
9.33.31
